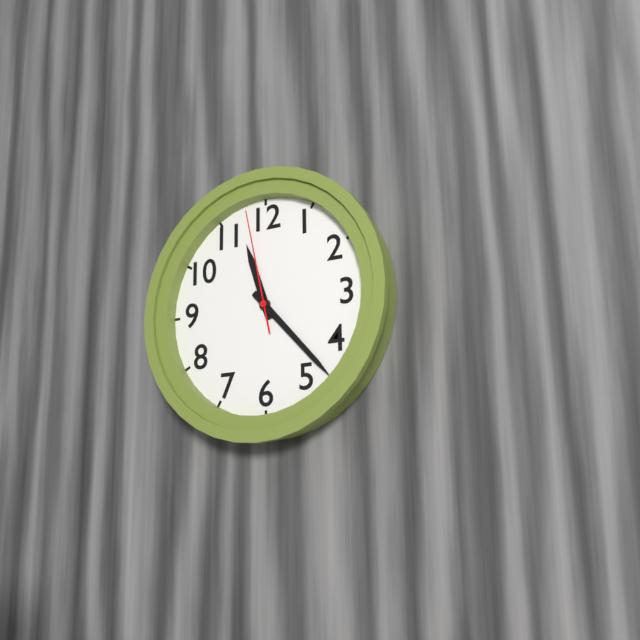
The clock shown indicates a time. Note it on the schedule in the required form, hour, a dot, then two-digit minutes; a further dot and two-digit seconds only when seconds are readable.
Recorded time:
11.23.58
